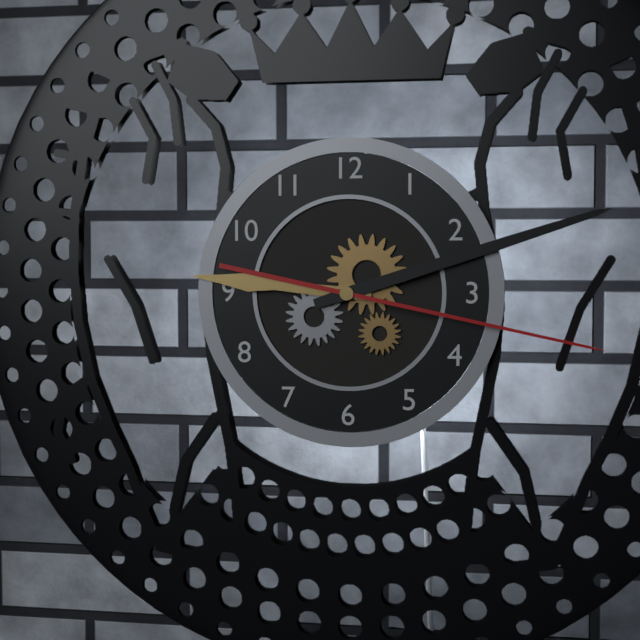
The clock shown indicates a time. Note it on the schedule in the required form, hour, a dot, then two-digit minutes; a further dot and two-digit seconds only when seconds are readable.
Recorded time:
9.12.17
